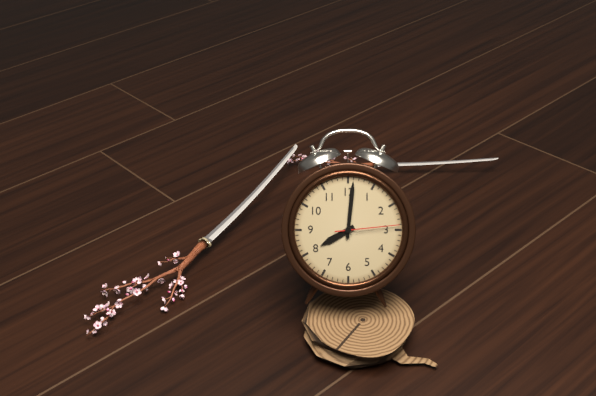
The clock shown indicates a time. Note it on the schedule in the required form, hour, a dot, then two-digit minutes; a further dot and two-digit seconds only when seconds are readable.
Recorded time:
8.01.14
